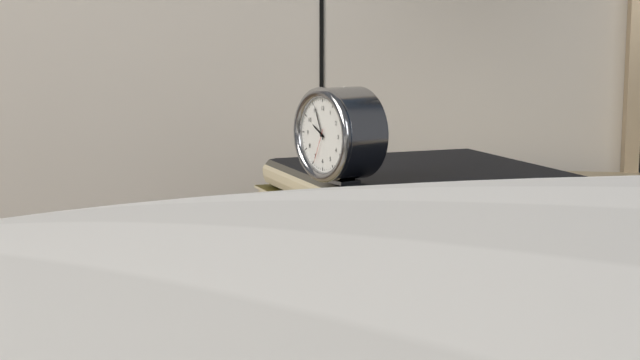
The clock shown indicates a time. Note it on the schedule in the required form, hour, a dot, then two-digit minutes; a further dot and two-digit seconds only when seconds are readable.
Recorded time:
9.56
